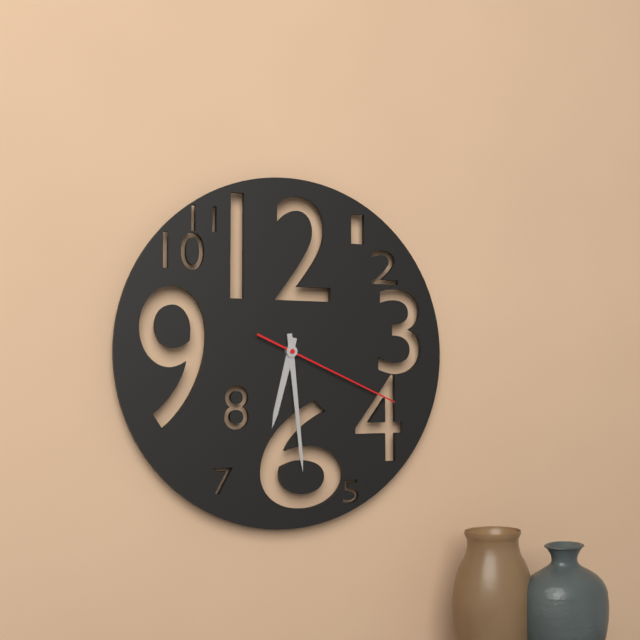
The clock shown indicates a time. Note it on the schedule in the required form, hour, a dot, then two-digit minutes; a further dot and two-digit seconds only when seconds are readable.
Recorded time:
6.29.19
